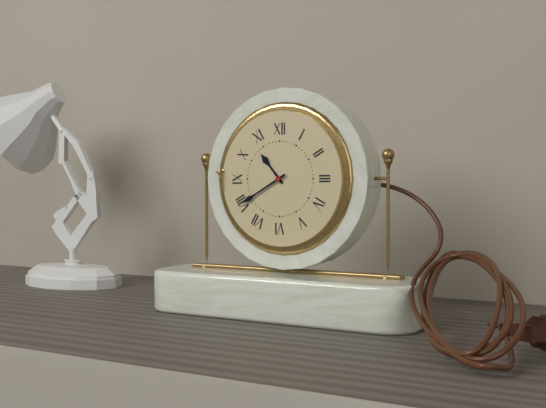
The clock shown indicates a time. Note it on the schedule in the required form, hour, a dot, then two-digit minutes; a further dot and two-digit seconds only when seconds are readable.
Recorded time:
10.40
